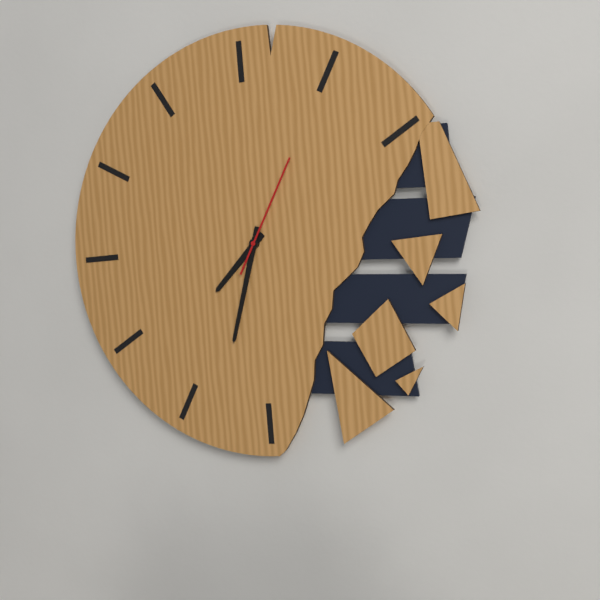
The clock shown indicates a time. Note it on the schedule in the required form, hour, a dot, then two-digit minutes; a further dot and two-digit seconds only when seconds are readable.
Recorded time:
7.33.05
